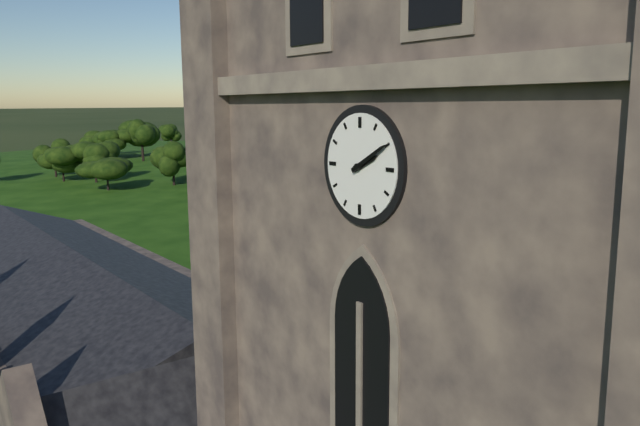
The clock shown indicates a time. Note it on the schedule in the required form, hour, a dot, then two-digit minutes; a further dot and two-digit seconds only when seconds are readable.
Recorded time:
2.10
